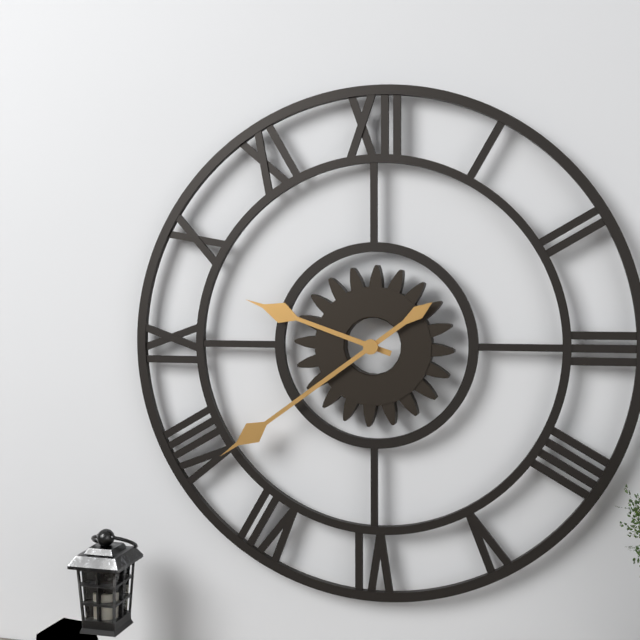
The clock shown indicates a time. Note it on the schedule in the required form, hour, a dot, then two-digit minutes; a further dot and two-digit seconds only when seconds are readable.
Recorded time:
9.39
